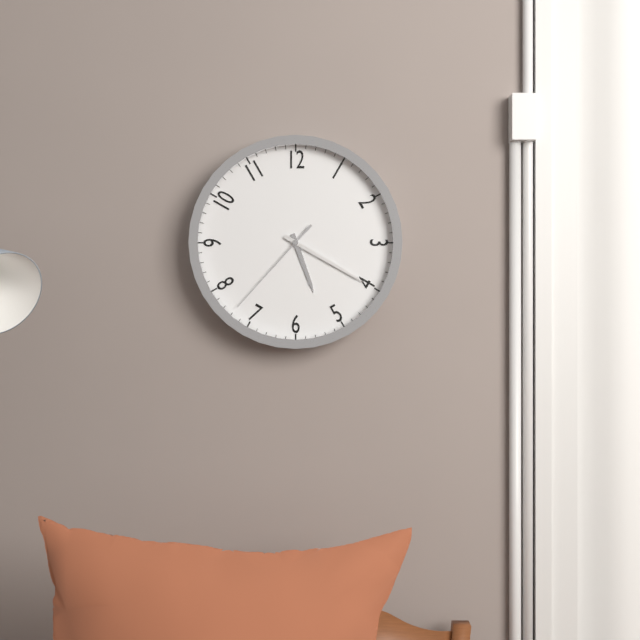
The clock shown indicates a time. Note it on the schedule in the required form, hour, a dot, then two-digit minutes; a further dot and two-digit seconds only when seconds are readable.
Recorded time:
5.20.37
